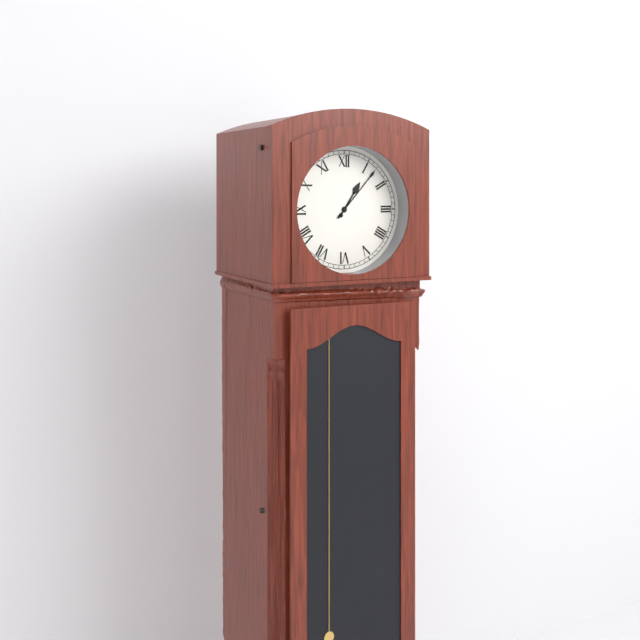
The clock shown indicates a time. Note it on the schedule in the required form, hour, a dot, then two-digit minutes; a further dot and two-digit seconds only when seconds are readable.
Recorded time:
1.07
